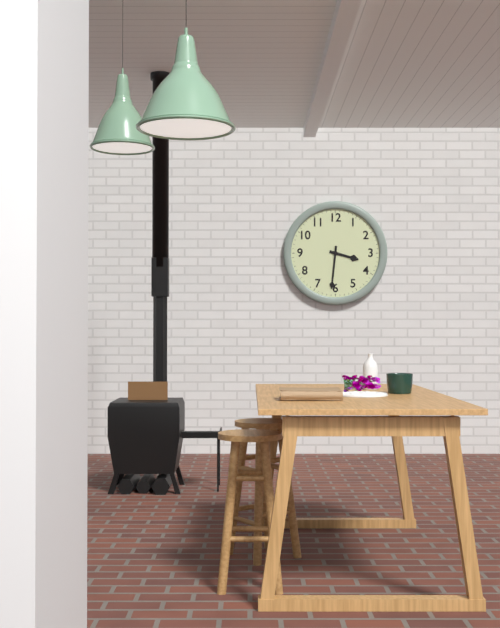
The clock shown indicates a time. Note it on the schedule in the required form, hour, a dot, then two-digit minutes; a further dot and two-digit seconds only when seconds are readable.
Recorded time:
3.31
